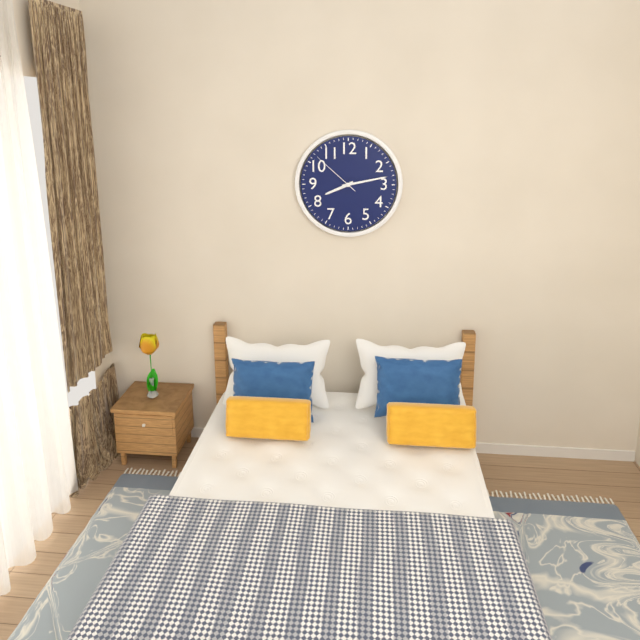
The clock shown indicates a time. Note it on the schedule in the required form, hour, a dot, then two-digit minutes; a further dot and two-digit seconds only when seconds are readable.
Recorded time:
8.13.52
